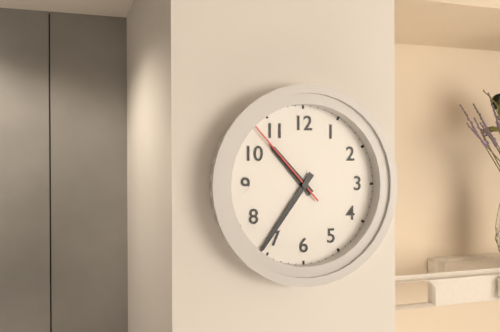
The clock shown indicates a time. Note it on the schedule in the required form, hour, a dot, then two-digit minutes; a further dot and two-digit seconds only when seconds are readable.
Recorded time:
10.36.53
